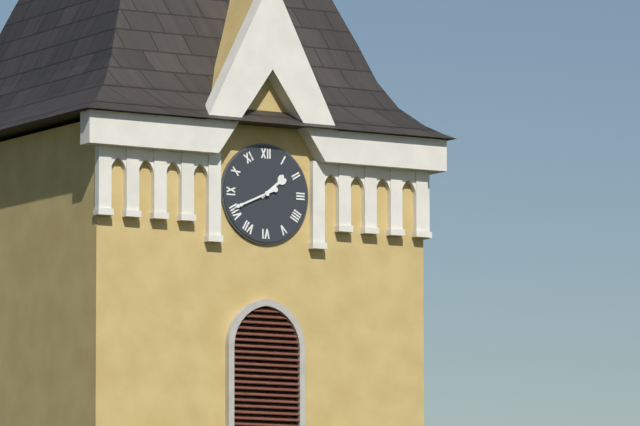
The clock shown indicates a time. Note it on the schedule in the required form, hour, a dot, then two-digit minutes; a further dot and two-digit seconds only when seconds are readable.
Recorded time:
1.41
